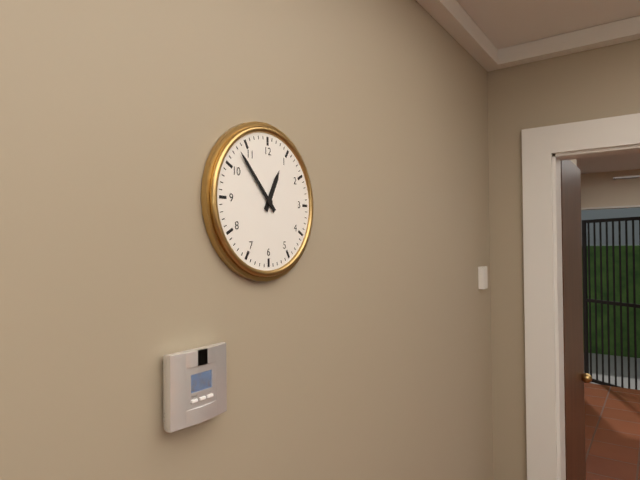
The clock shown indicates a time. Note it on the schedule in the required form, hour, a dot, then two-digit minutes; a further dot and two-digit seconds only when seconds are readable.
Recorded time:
12.53
